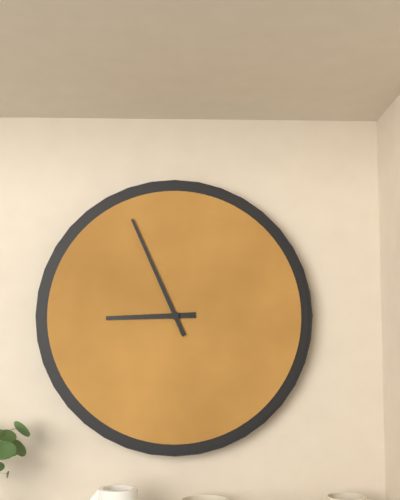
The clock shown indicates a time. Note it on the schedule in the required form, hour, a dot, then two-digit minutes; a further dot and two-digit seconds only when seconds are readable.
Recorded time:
8.56
